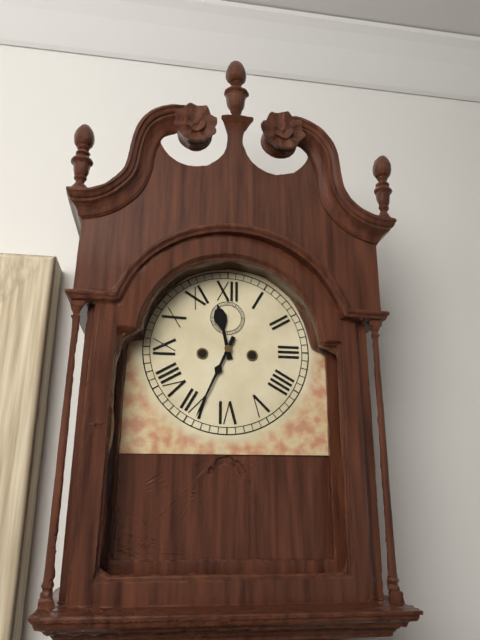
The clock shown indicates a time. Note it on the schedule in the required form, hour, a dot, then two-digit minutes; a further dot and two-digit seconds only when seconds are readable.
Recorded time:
11.34
